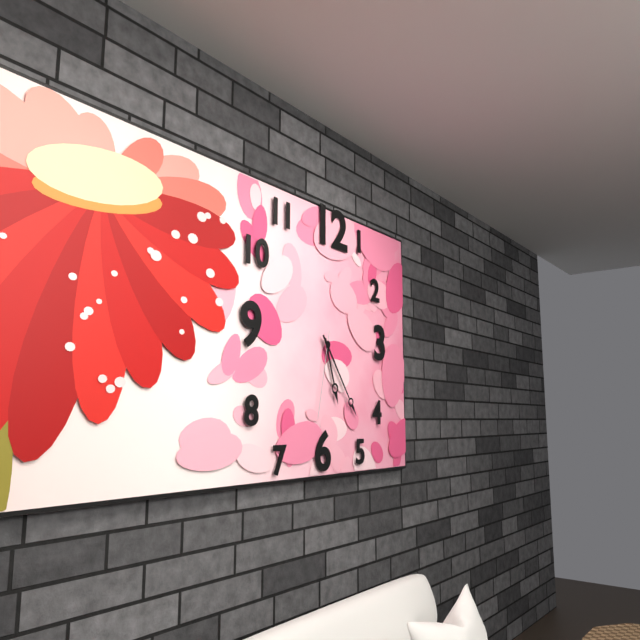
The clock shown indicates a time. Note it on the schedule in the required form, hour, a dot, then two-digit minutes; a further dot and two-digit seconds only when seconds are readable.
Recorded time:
5.24.32
